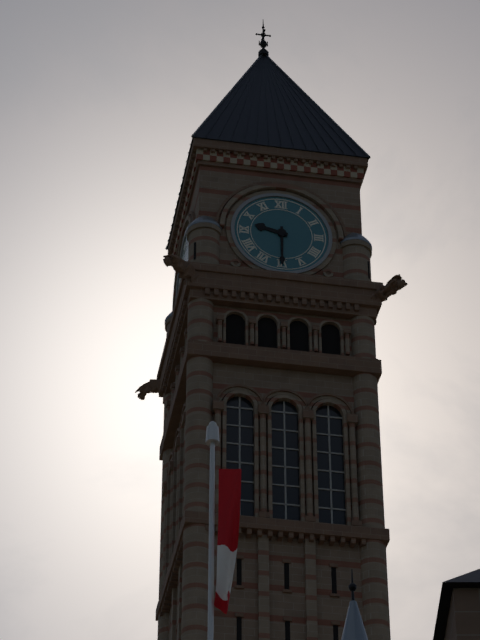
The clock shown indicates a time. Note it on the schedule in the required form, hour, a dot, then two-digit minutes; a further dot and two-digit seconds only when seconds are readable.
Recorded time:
9.30
